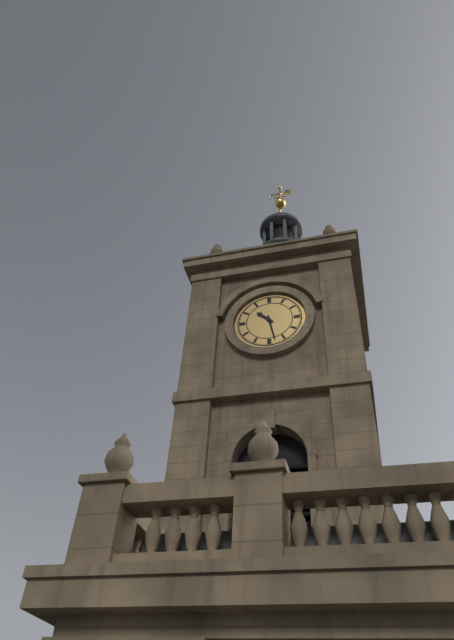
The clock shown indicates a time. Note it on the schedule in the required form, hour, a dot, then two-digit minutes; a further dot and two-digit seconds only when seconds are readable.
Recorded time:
10.28
